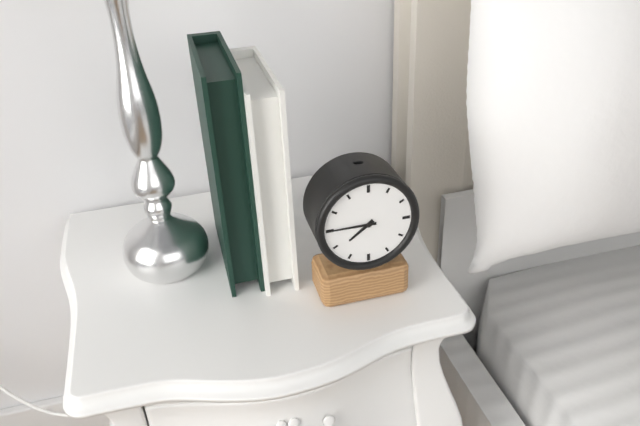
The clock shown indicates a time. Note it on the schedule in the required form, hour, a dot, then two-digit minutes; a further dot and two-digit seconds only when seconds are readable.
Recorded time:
7.45
